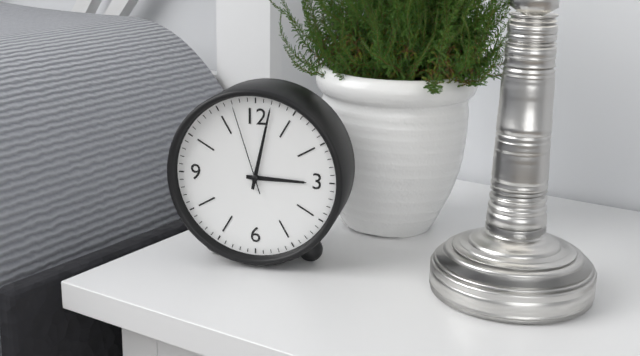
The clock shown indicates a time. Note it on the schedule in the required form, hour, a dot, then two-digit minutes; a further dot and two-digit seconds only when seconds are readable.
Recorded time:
3.02.57
